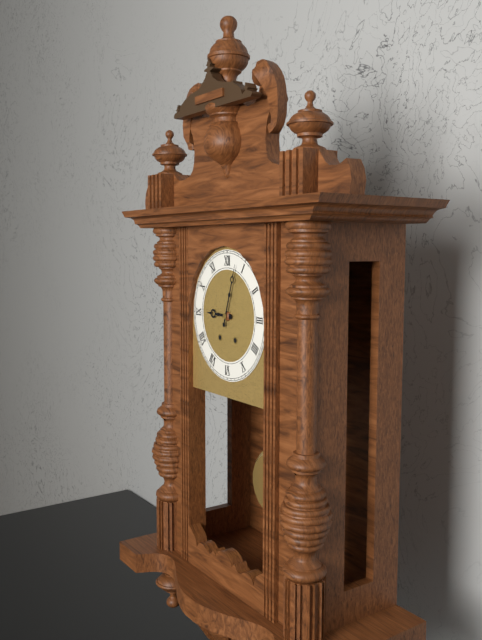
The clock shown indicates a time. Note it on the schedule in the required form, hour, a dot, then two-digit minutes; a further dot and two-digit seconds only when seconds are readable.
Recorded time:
9.03
